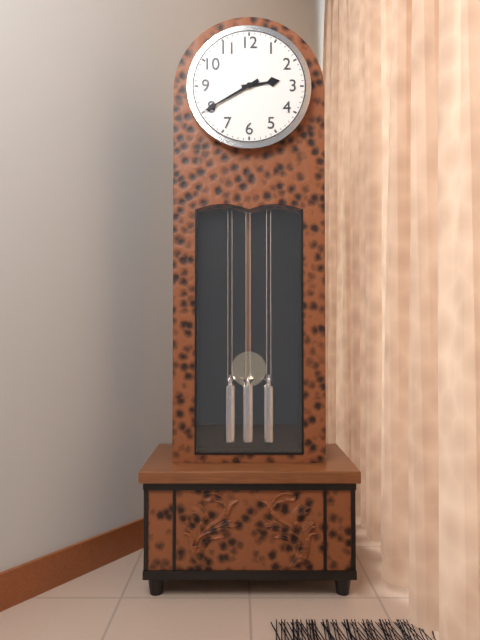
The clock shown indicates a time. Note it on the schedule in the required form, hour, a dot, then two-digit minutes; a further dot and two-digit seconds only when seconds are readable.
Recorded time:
2.40
